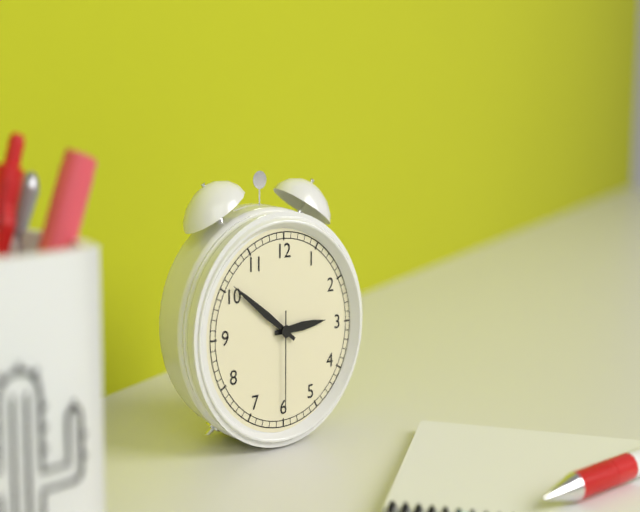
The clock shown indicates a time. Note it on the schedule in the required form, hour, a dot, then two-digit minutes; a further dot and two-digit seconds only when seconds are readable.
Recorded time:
2.51.30
